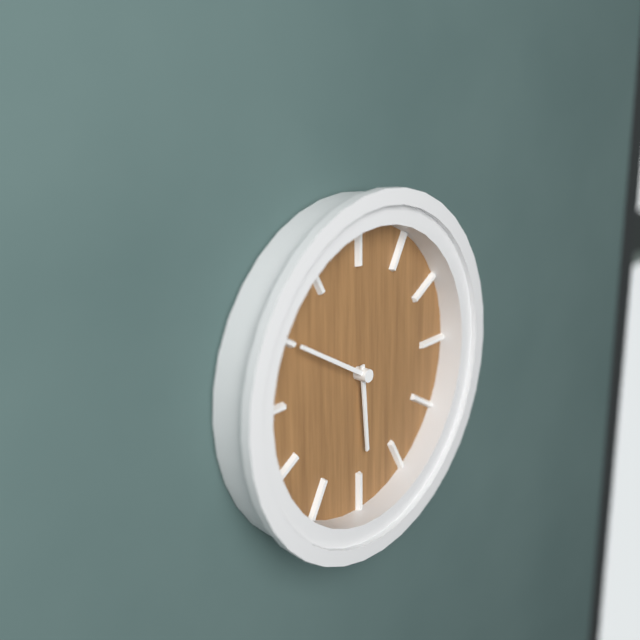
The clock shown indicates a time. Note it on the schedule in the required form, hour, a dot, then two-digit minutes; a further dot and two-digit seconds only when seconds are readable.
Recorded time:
5.50
